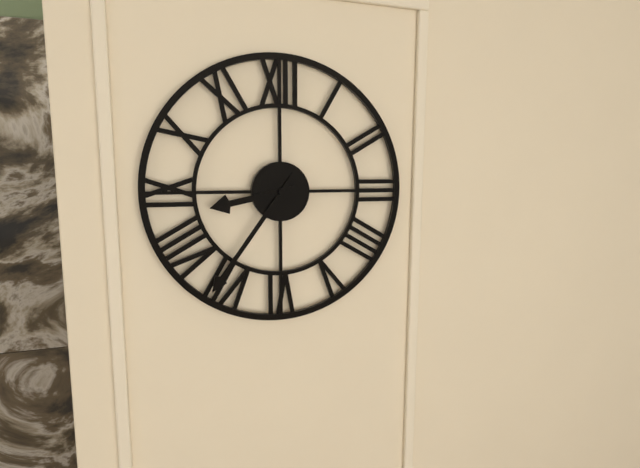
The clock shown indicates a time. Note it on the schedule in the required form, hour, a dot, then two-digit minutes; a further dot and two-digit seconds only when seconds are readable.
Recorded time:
8.36
